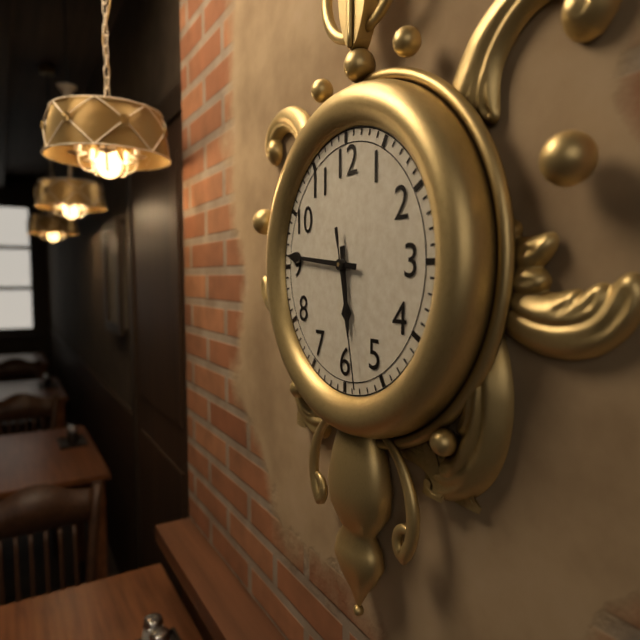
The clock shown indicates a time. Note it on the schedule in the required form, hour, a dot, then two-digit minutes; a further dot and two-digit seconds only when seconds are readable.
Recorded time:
5.46.28
